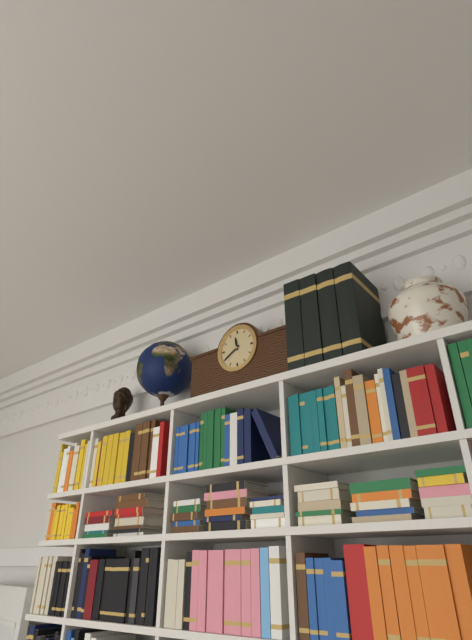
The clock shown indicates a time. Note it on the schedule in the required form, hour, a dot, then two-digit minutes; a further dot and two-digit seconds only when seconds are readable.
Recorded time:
11.40
